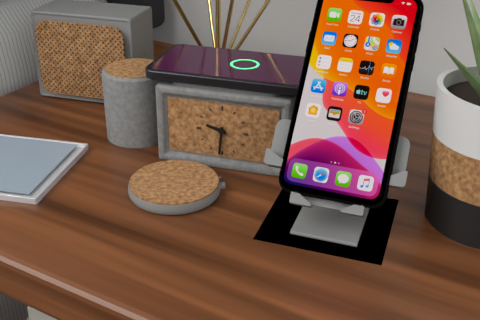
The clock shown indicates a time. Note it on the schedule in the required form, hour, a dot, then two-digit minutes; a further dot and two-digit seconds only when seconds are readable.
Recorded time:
9.31
